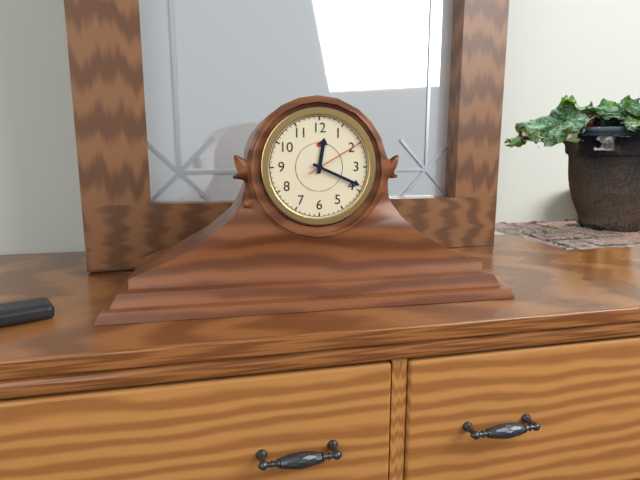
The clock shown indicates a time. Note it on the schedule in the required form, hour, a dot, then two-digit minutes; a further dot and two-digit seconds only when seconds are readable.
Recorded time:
12.19.10
